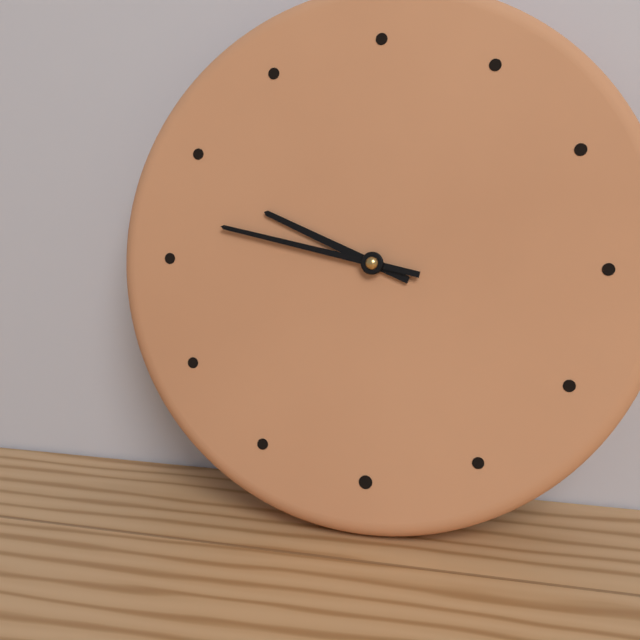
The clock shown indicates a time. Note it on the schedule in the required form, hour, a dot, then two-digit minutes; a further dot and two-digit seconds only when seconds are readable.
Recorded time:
9.47
